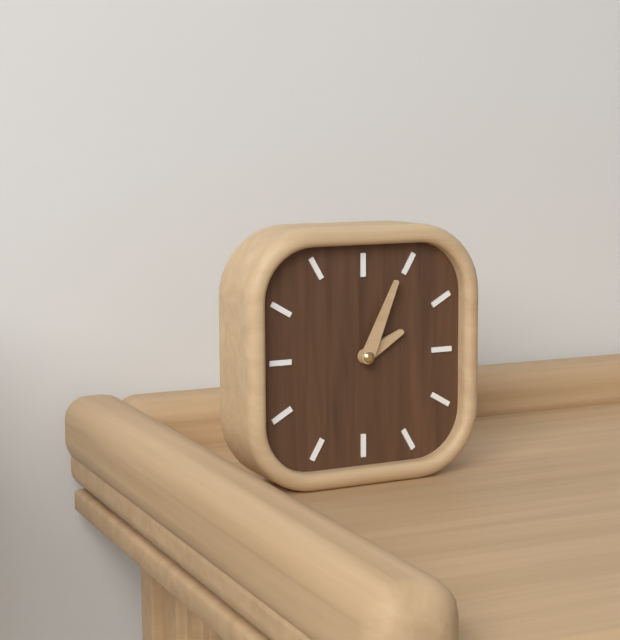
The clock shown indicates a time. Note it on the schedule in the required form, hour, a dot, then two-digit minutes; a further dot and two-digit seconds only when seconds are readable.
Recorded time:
2.04
